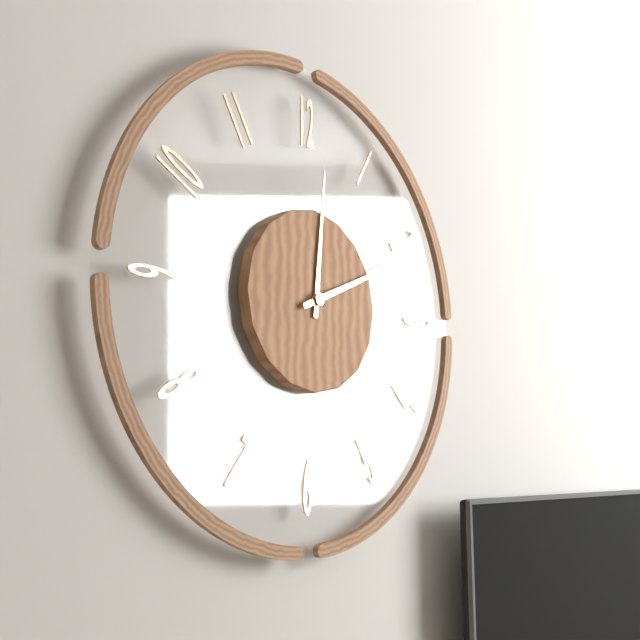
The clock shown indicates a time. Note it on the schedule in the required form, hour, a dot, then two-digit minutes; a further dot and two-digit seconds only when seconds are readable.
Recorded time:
12.11
